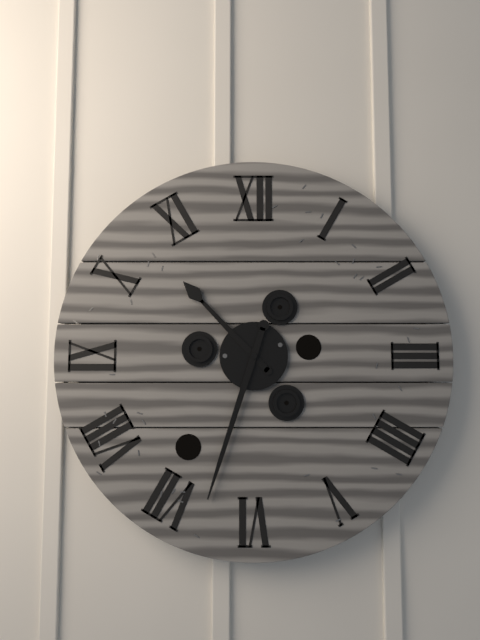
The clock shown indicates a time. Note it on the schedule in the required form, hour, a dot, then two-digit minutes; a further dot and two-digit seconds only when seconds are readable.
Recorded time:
10.33
